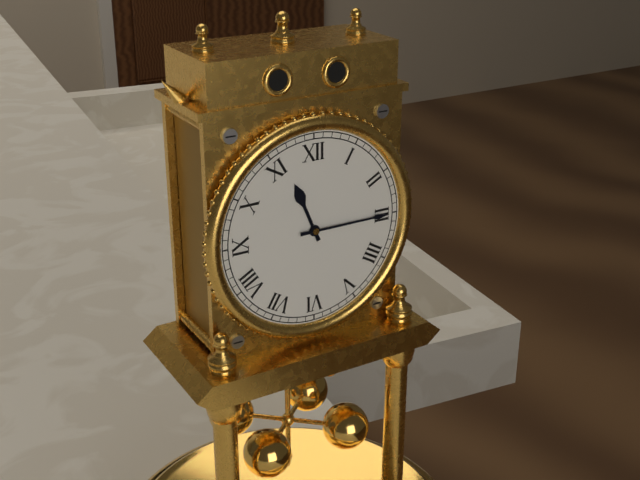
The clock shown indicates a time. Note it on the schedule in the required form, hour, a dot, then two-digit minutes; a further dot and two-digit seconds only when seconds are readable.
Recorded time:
11.15
